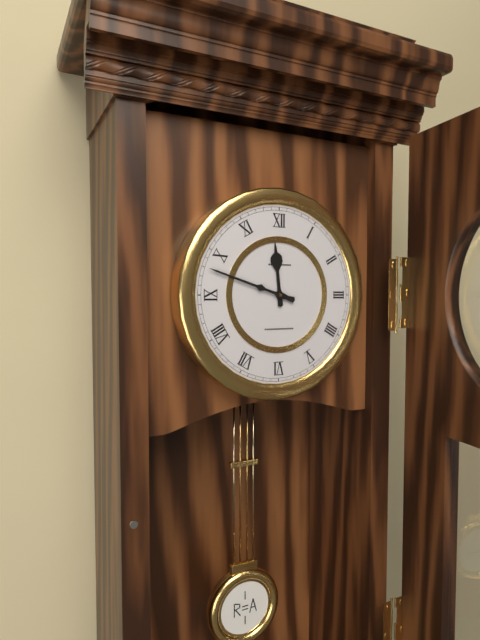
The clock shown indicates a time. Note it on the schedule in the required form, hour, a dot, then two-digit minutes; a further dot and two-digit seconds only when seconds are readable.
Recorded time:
11.48
